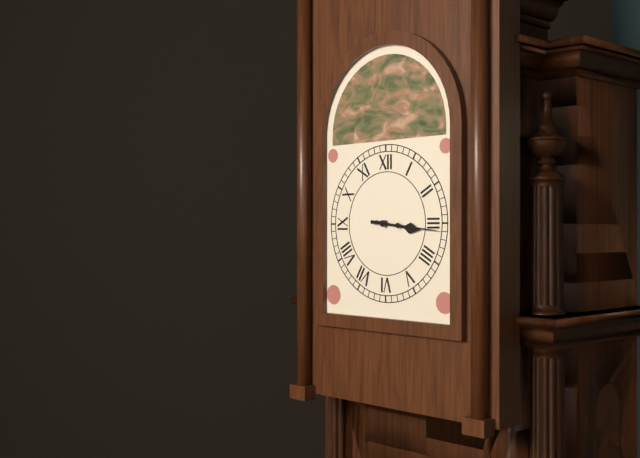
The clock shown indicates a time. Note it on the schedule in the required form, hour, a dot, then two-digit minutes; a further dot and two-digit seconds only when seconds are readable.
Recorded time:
3.16
